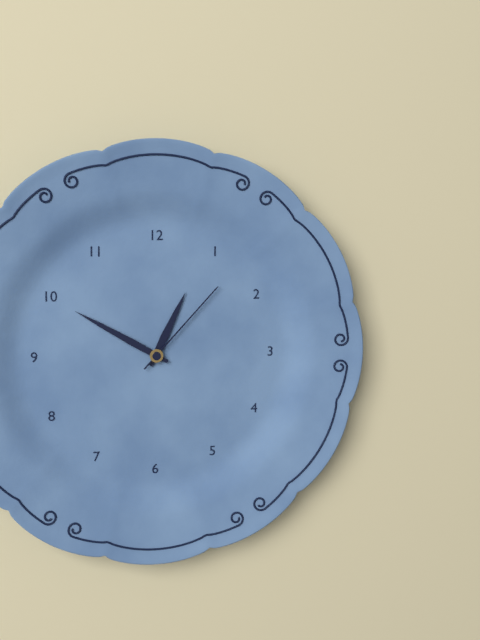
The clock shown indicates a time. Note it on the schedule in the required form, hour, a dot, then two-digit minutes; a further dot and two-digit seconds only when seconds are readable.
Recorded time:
12.50.07
